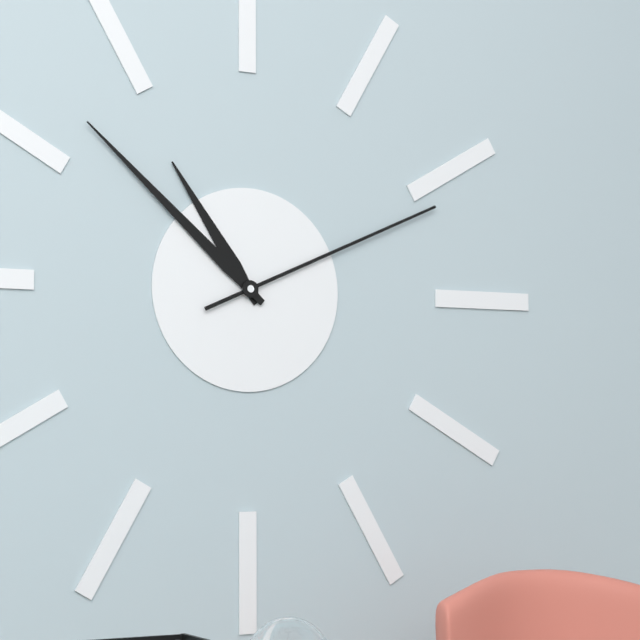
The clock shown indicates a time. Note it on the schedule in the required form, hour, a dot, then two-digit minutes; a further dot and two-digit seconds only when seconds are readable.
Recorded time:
10.52.11
